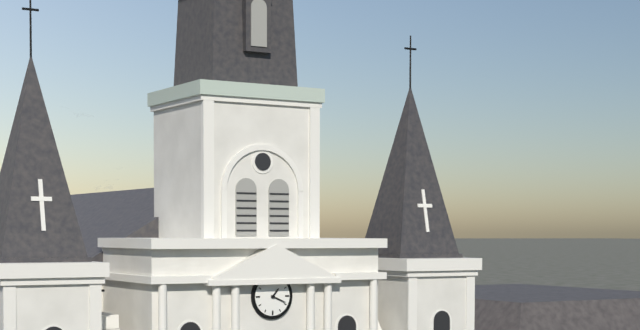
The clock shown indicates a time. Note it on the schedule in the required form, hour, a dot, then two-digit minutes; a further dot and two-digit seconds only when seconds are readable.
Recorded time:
1.19
